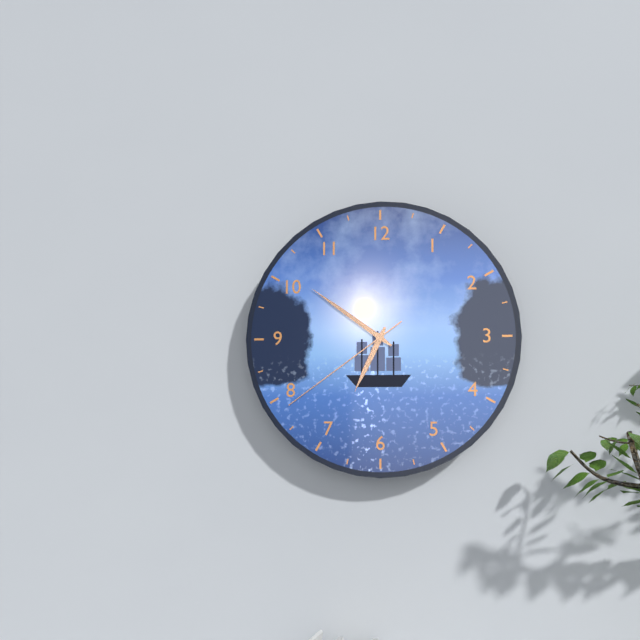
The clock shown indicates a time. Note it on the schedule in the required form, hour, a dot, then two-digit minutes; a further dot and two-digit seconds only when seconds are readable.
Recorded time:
6.51.39
